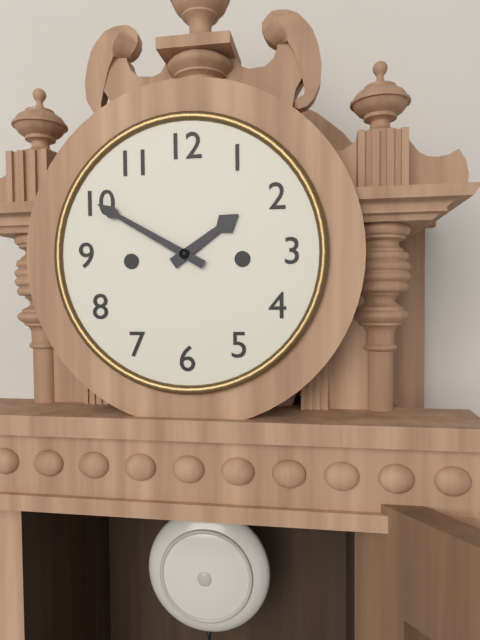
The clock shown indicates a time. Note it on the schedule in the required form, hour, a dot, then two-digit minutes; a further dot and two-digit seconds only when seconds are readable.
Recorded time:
1.50
